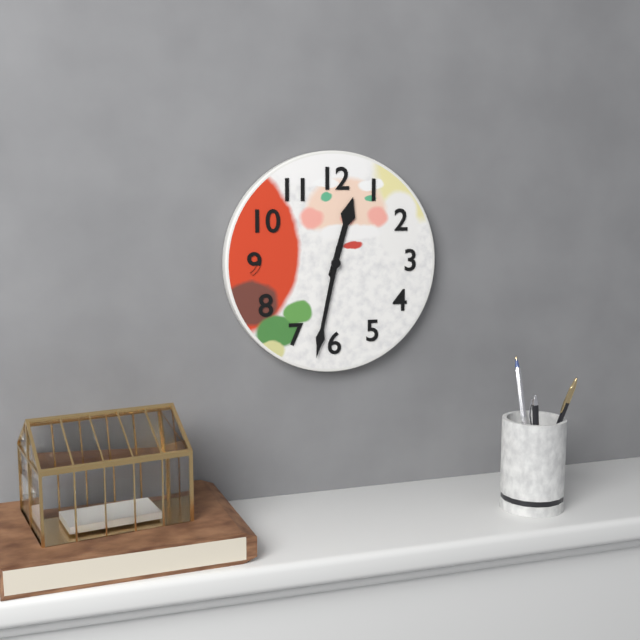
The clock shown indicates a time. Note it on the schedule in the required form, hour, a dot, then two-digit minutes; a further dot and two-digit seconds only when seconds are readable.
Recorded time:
12.32
